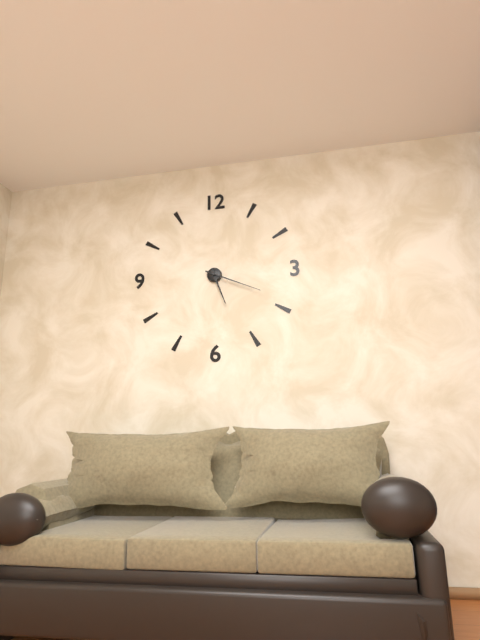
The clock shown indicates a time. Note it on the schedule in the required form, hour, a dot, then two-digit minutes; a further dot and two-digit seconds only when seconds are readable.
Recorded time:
5.19
